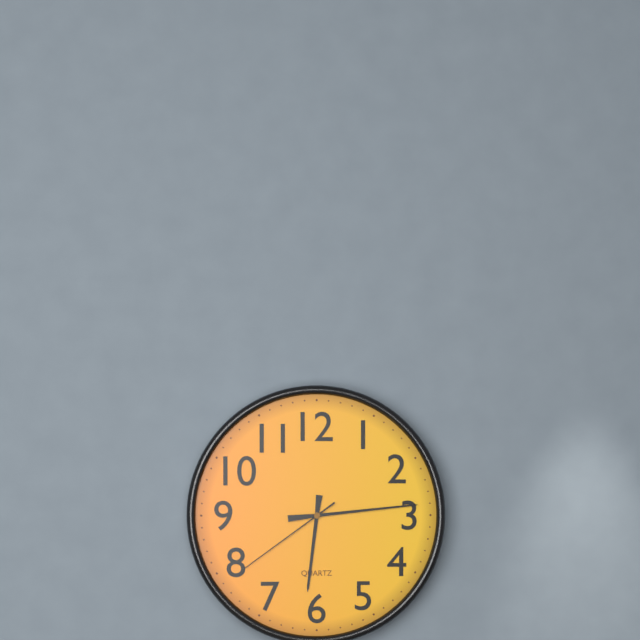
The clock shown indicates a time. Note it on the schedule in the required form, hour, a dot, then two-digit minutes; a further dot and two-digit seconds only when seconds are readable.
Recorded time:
6.14.39
